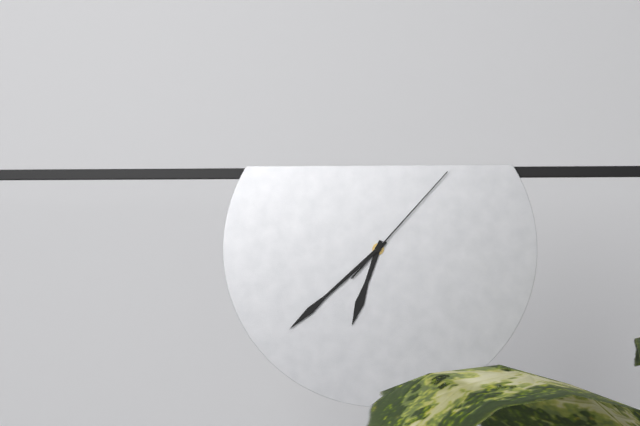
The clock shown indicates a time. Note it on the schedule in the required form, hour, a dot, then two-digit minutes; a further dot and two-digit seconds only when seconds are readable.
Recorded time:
6.38.07
